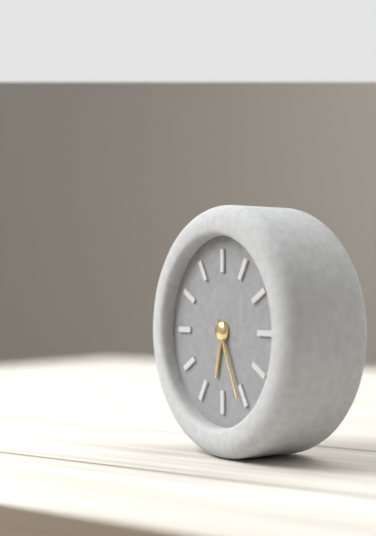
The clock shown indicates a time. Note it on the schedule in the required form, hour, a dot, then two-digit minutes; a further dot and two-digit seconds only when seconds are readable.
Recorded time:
6.26
